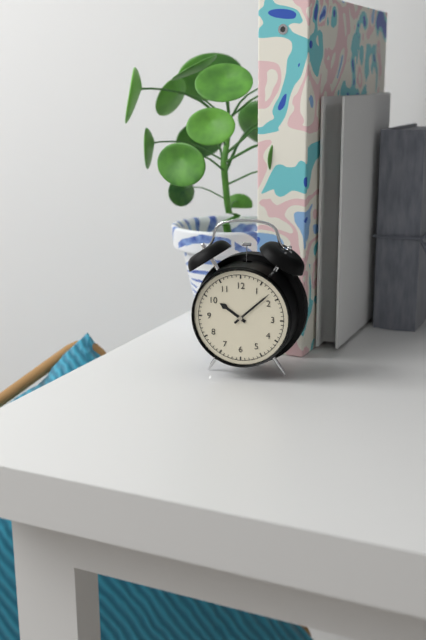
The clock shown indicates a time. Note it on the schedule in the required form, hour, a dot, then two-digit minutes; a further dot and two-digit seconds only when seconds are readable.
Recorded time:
10.08
